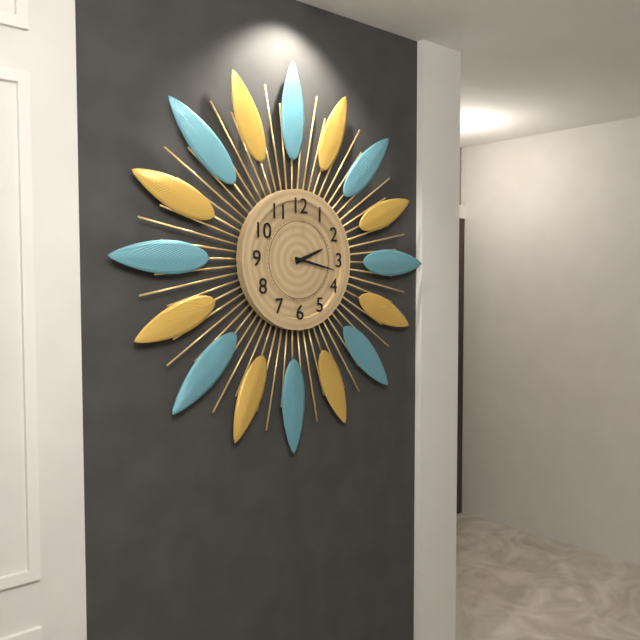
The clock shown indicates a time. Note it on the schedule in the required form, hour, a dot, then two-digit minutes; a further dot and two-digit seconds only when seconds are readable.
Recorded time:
2.17
